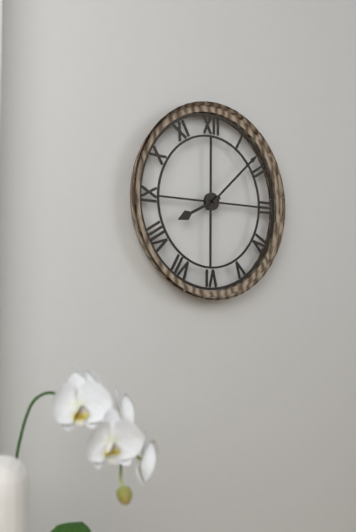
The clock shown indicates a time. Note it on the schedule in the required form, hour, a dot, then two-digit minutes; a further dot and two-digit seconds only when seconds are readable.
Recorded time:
8.08
